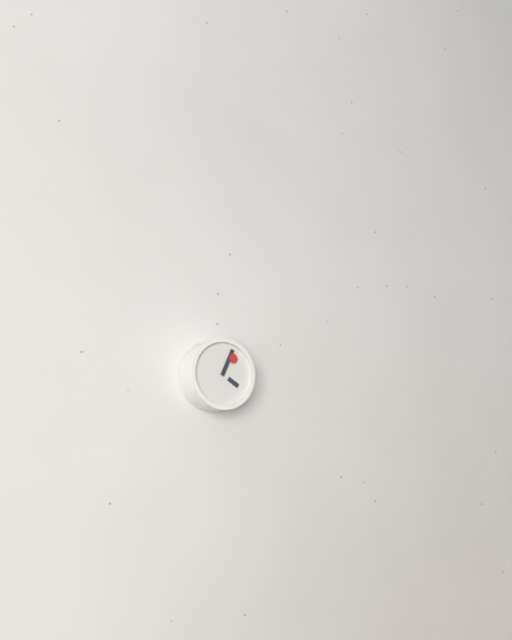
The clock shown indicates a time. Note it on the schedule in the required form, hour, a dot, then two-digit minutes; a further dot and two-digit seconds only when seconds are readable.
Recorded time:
4.04
